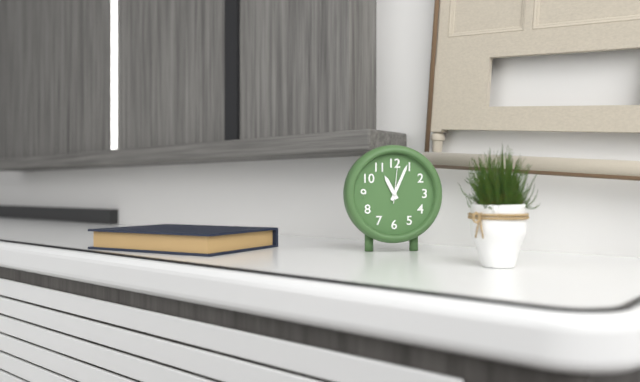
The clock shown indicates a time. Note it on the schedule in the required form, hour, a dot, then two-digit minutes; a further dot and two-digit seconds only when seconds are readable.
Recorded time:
11.04
